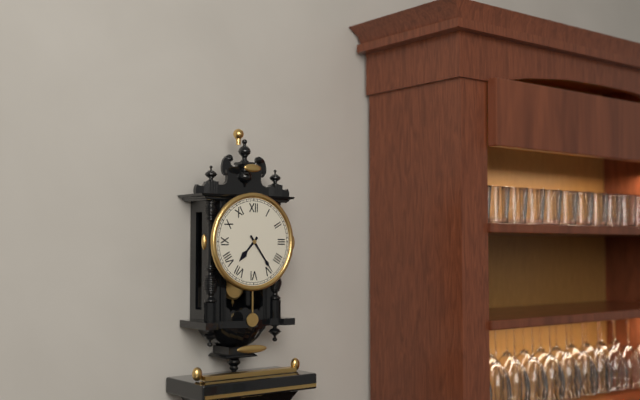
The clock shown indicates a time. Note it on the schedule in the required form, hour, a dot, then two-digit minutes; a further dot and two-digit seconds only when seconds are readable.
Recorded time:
7.24
